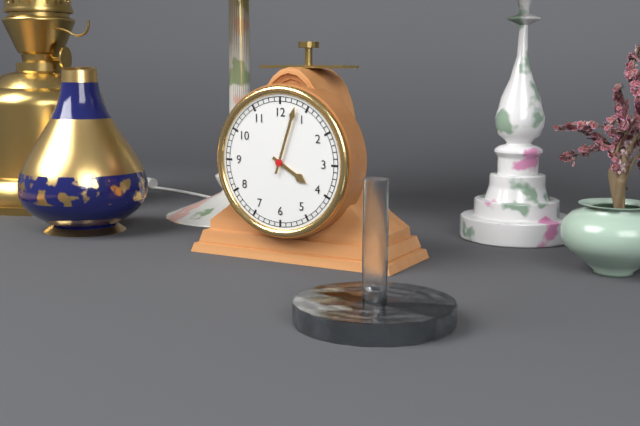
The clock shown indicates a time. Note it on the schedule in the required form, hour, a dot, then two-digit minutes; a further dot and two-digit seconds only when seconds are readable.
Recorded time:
4.03
